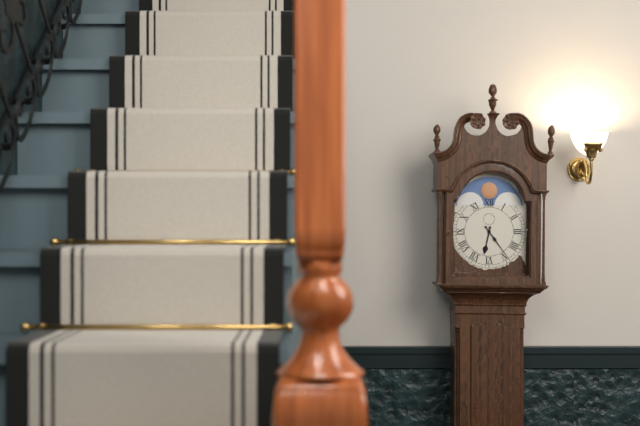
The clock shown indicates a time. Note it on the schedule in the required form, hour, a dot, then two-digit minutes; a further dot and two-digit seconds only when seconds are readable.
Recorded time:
6.24
